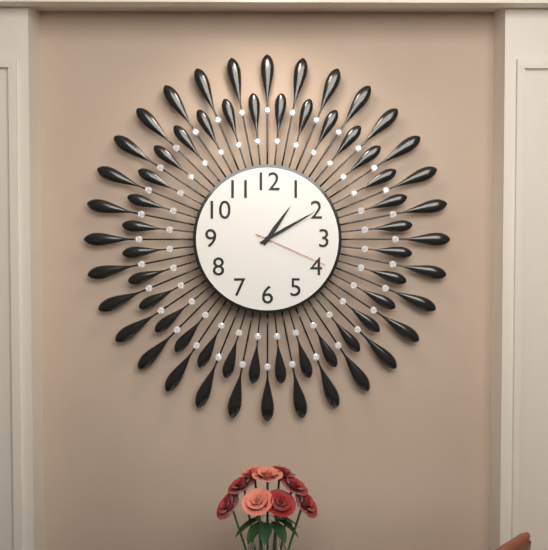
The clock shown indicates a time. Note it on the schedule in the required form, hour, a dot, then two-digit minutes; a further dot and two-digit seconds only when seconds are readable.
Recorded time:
1.10.19
